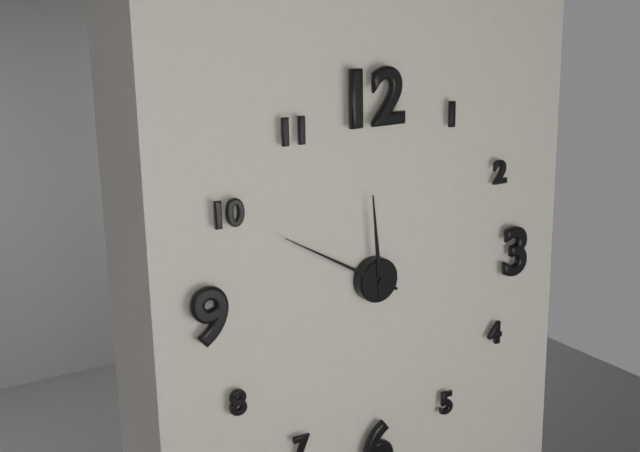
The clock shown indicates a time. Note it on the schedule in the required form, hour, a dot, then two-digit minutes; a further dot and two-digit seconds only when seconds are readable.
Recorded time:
11.50
